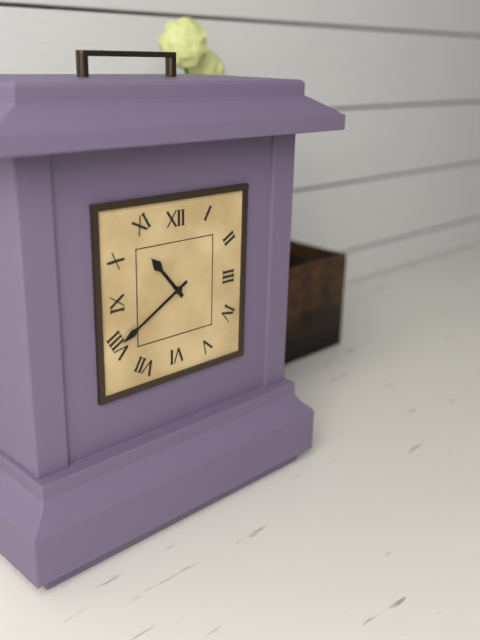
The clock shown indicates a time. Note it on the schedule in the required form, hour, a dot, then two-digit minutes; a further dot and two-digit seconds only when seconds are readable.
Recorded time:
10.40
